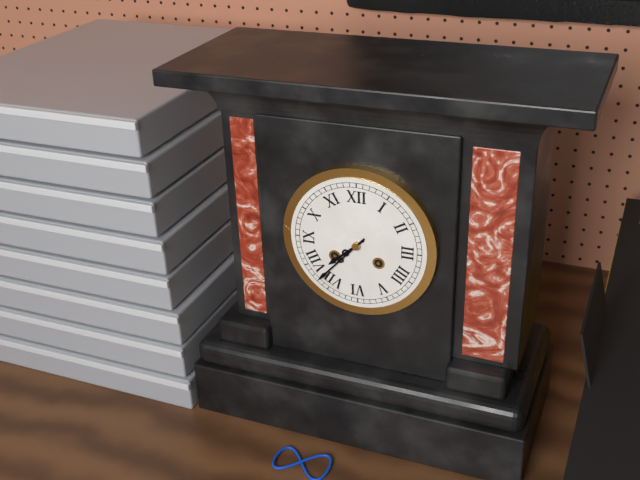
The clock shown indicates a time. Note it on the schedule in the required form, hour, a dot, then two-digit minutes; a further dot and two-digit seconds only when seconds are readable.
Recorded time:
7.37
